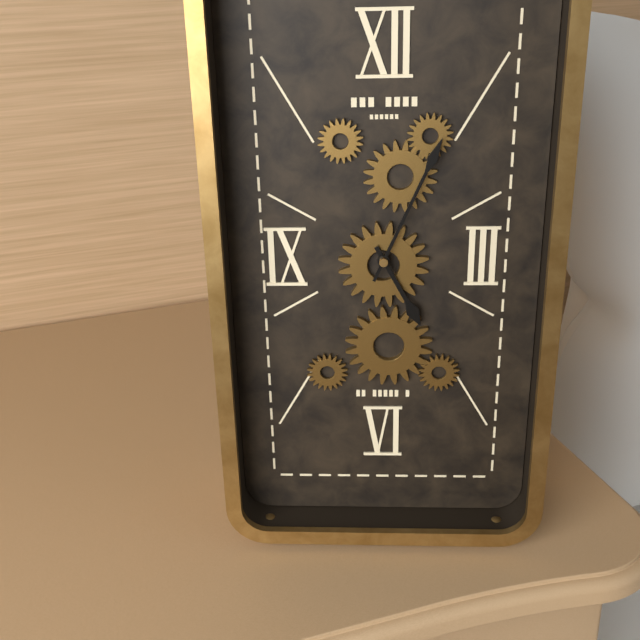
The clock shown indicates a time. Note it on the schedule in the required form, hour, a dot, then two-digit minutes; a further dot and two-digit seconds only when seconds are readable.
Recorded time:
5.04
